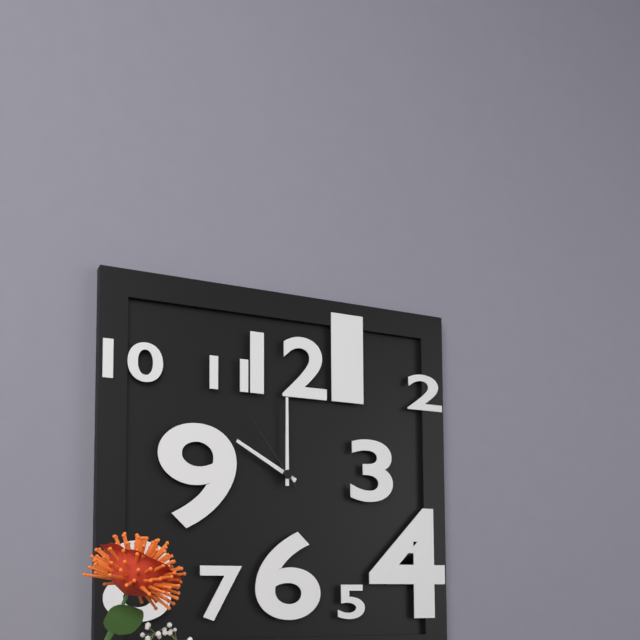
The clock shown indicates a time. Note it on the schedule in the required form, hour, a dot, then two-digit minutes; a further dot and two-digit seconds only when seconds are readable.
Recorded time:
10.00.54
